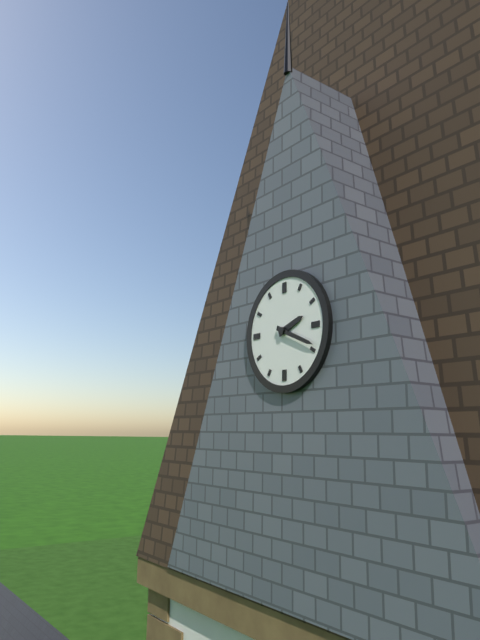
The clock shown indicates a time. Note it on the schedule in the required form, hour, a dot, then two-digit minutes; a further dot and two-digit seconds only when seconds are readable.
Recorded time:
2.19
